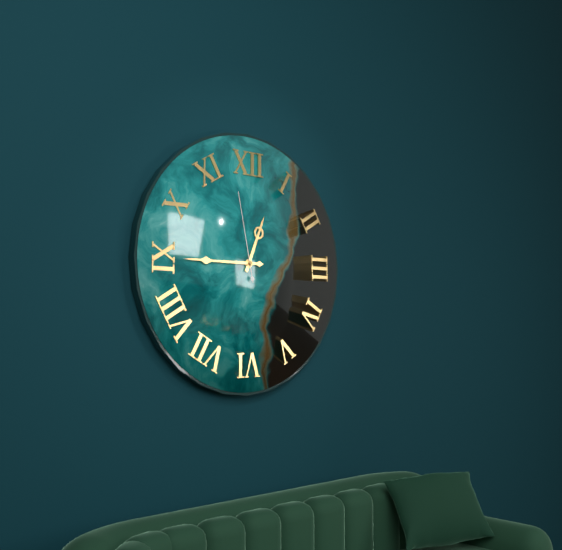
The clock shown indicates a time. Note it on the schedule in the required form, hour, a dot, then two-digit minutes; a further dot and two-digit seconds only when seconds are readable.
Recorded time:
12.45.58
